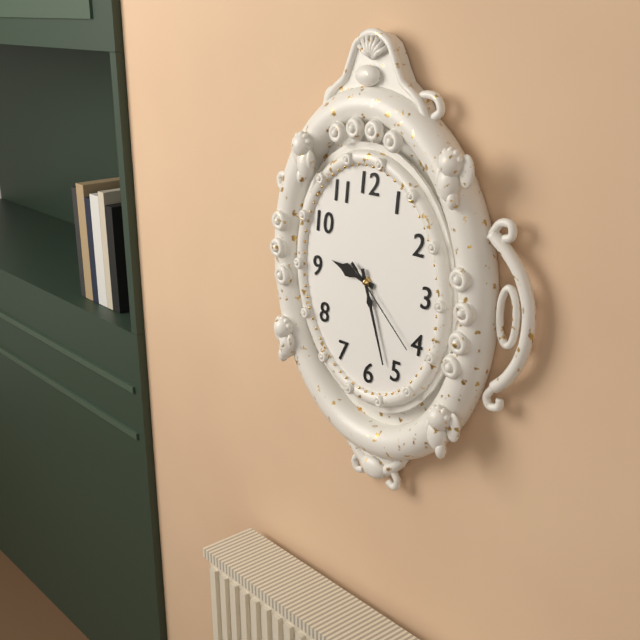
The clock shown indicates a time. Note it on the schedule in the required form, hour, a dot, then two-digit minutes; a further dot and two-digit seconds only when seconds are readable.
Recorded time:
9.27.22
